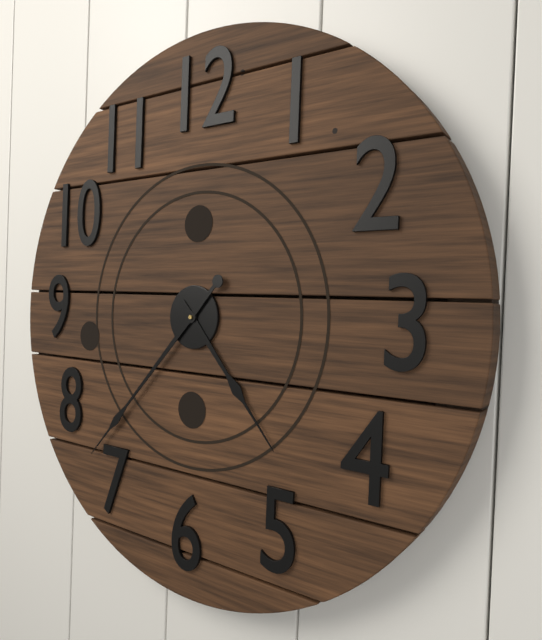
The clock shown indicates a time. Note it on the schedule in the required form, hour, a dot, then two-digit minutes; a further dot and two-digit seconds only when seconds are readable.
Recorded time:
4.37
